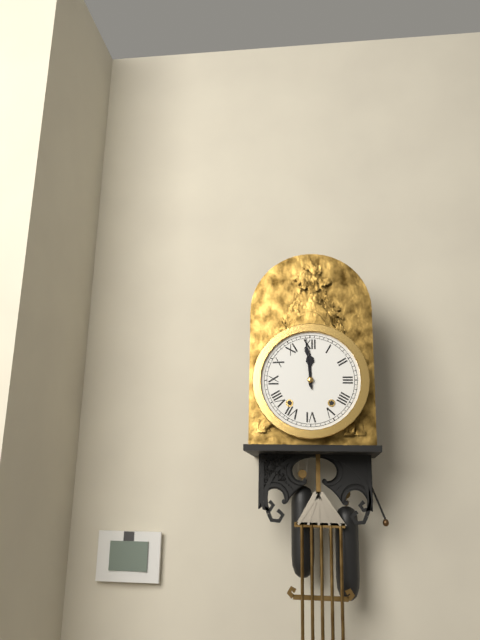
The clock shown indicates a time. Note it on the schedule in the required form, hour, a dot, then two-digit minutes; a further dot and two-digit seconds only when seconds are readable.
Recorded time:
11.59
